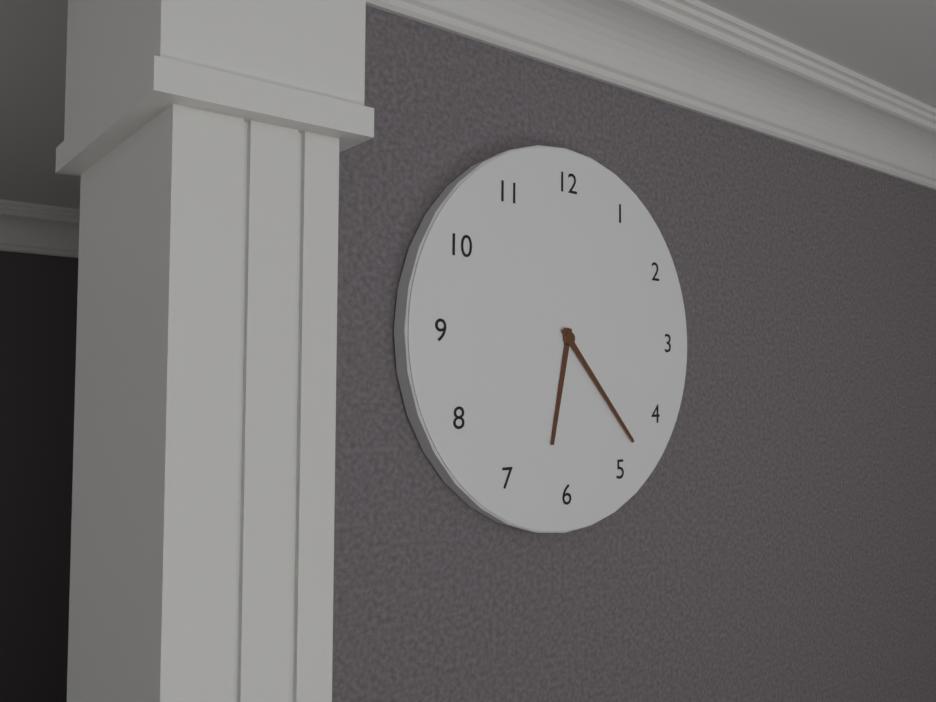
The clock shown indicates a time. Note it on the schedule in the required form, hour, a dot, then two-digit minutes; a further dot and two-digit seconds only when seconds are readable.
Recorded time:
6.23
